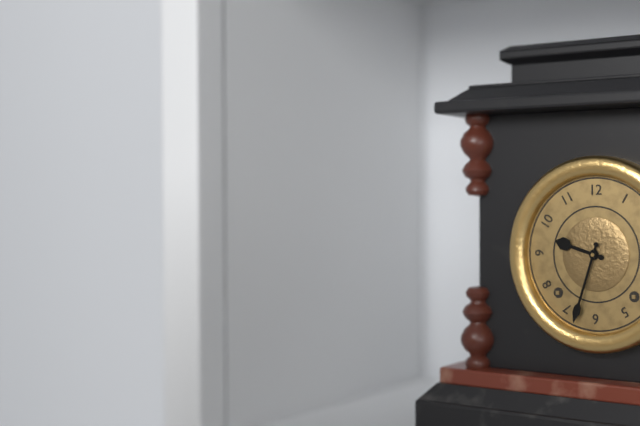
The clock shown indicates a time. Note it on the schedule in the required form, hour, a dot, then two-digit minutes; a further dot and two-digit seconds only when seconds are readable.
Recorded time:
9.33
